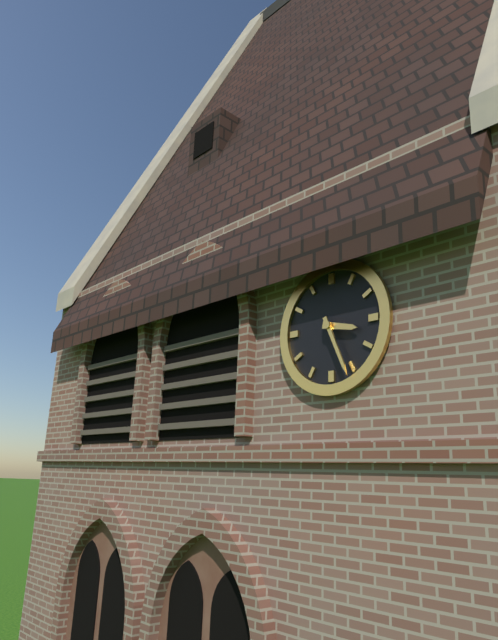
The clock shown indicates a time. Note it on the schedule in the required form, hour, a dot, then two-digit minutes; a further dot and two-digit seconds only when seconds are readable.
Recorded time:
3.26
